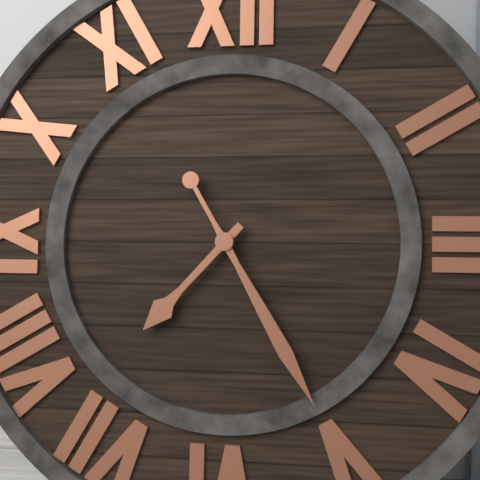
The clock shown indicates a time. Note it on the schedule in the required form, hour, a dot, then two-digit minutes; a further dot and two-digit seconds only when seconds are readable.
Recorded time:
7.25
